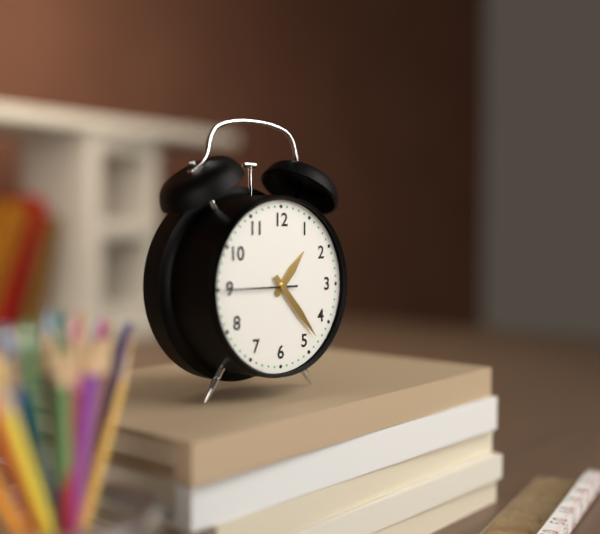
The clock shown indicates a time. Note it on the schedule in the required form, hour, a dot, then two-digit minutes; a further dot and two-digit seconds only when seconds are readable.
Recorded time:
1.23
